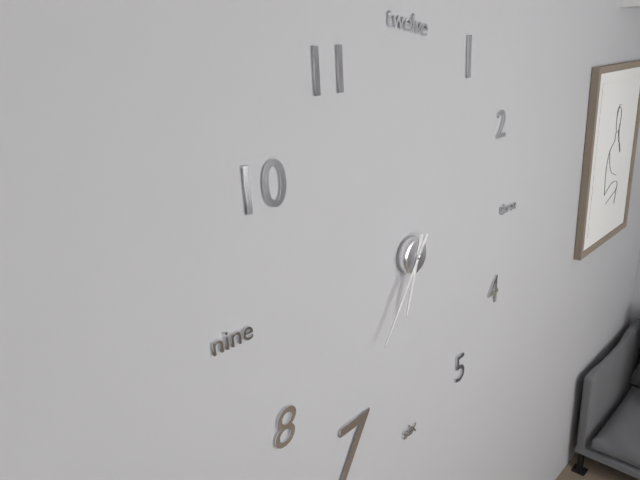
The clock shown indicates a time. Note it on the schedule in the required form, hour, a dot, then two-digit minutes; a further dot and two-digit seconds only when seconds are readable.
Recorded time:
6.36
